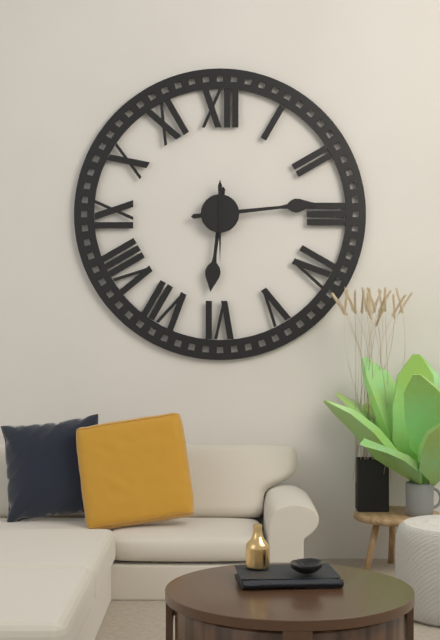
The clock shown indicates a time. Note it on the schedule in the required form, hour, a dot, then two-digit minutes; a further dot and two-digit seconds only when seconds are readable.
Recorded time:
6.14.30
